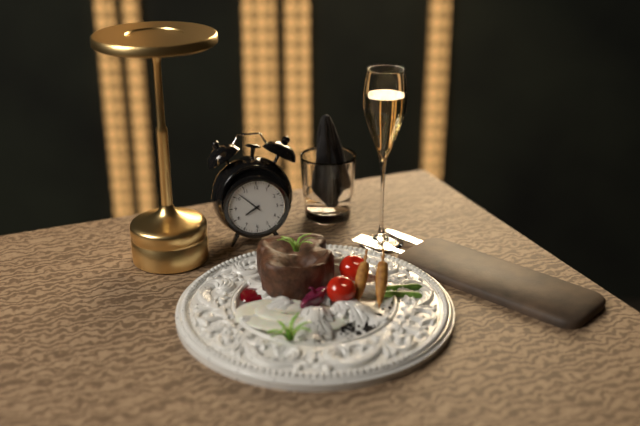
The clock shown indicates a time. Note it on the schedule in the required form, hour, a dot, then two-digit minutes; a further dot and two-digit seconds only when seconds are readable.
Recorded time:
7.52
